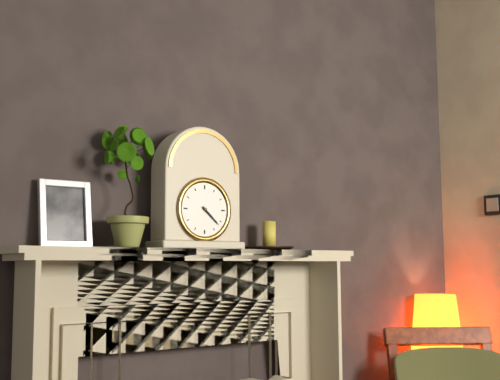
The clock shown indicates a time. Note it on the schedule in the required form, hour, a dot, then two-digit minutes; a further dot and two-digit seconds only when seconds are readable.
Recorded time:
4.22
